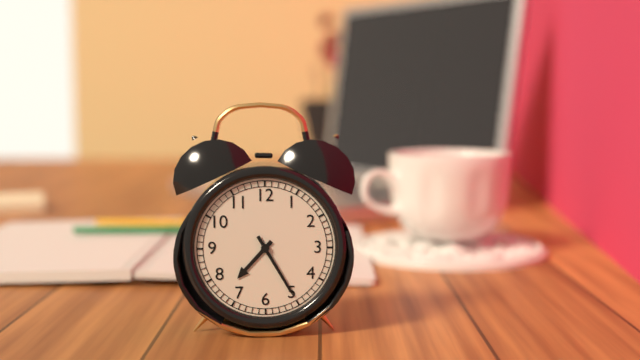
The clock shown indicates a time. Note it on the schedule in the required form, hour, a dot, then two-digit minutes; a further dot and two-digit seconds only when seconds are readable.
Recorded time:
7.25
